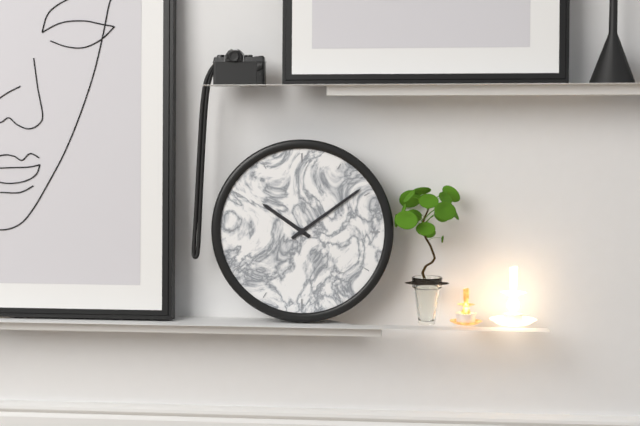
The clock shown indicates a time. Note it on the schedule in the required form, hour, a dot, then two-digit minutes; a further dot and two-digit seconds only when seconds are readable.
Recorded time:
10.09
